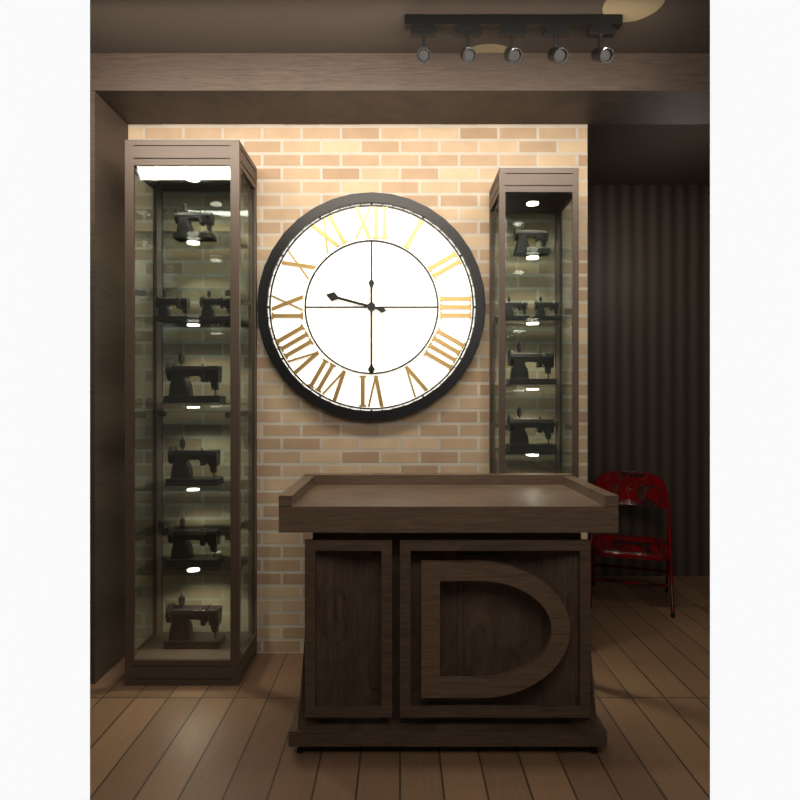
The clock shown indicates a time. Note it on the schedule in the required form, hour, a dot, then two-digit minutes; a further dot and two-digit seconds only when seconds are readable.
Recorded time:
9.30
